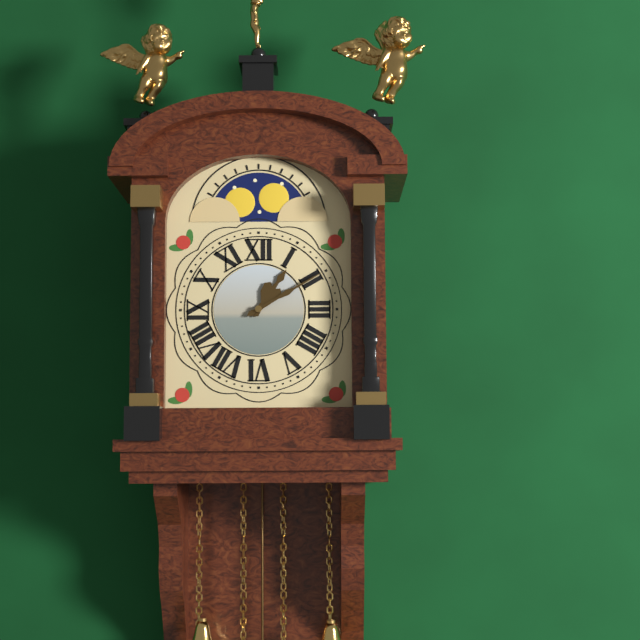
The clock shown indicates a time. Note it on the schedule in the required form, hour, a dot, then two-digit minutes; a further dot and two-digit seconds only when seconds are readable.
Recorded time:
1.10
